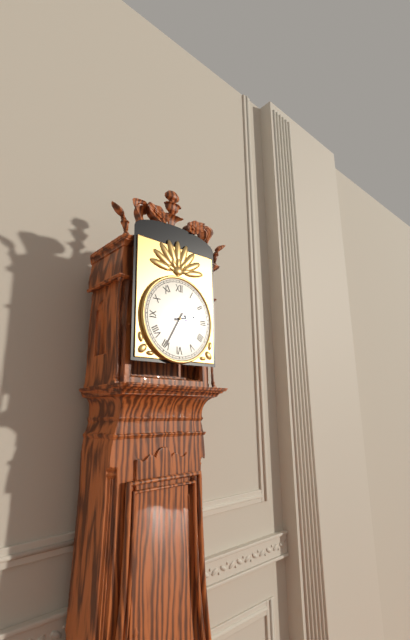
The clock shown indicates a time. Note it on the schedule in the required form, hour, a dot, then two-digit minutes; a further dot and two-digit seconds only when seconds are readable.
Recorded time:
2.35
